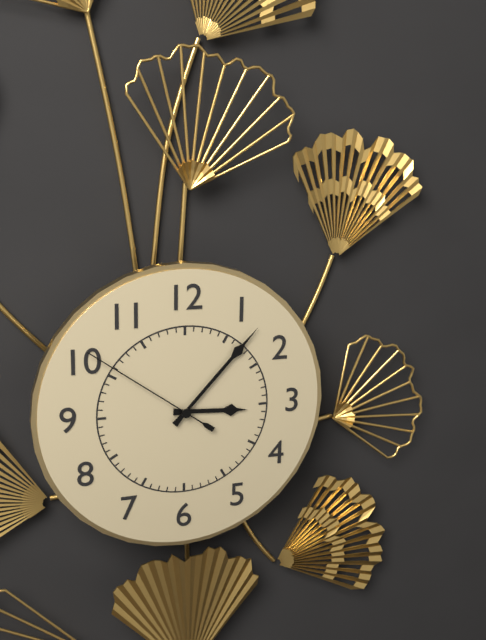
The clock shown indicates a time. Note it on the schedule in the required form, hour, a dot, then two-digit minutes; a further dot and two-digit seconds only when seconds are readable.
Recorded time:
3.07.51
